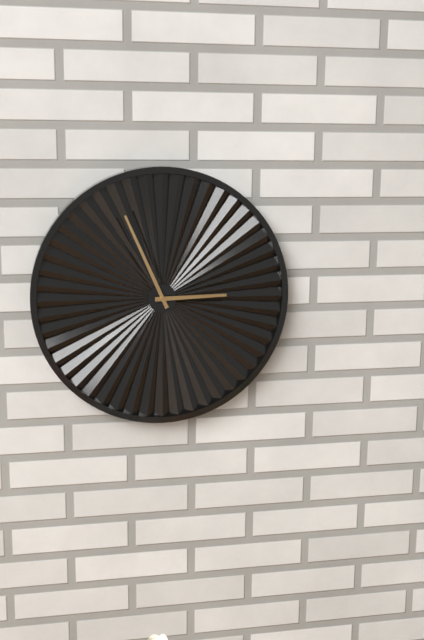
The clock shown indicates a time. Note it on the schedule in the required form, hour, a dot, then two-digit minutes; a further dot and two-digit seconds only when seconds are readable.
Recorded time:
2.56
